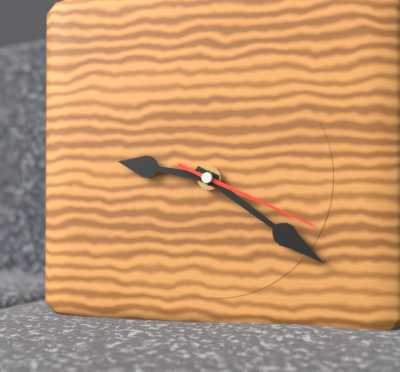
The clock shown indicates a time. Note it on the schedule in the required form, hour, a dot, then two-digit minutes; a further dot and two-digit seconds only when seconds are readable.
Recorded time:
9.21.19
